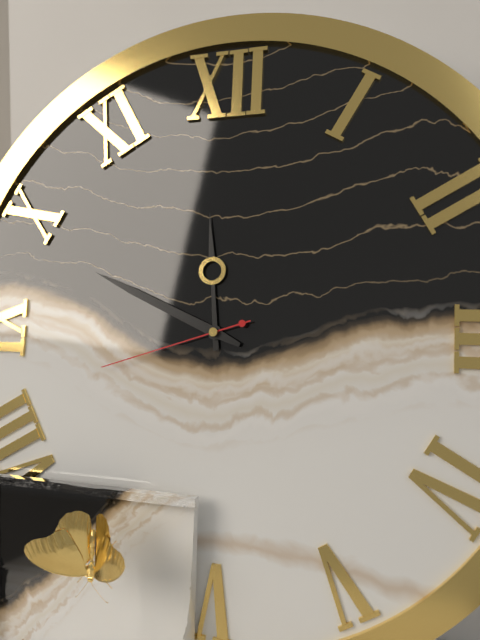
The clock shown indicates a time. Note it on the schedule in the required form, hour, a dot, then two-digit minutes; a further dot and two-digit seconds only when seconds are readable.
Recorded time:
11.49.42
